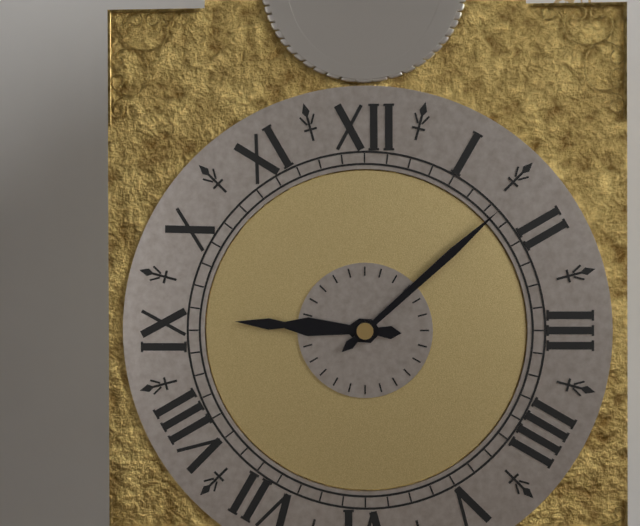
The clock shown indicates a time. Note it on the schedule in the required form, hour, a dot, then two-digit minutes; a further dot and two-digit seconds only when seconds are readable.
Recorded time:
9.08
